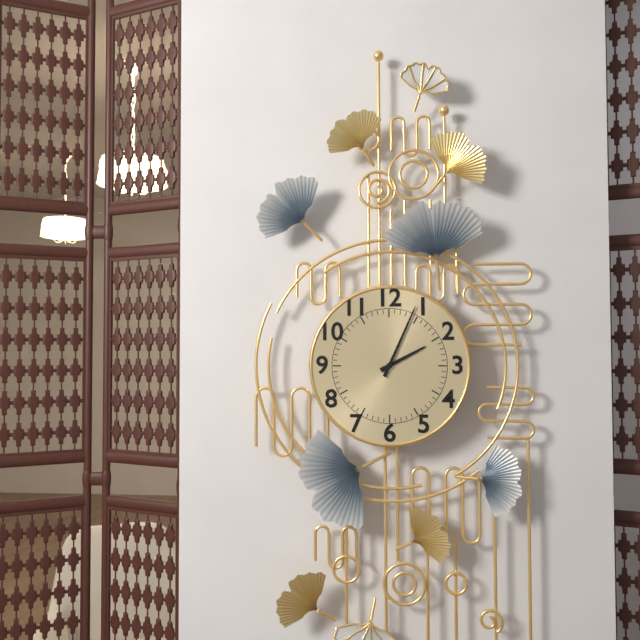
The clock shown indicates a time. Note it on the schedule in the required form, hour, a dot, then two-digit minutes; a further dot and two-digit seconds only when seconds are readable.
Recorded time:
2.04
